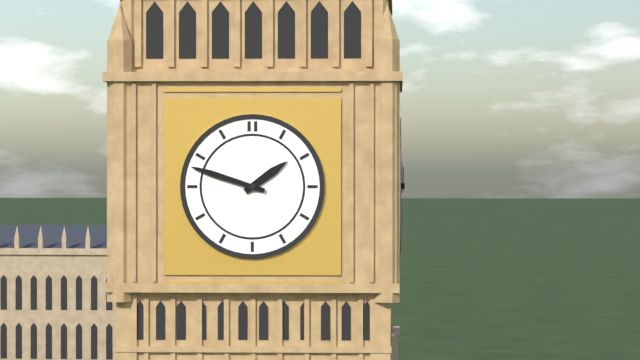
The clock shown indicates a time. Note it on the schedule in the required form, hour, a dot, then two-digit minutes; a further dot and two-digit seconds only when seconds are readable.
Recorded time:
1.48
